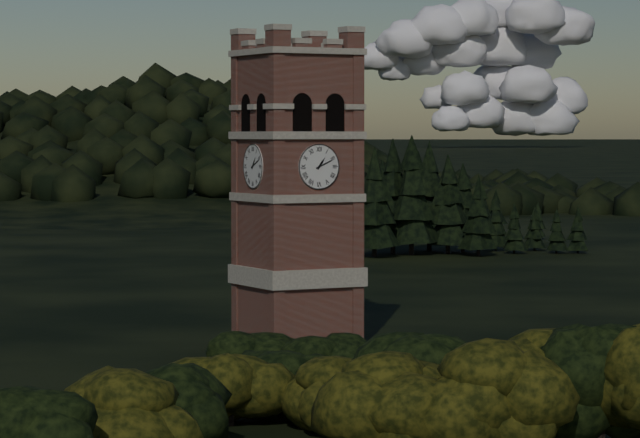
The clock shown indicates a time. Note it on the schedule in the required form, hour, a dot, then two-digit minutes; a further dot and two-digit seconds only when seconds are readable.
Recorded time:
1.11
